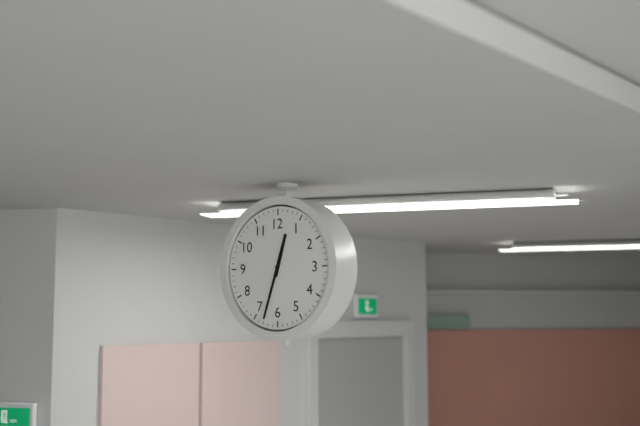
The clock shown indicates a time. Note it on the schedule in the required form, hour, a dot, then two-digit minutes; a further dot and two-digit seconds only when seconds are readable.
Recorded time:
12.33
